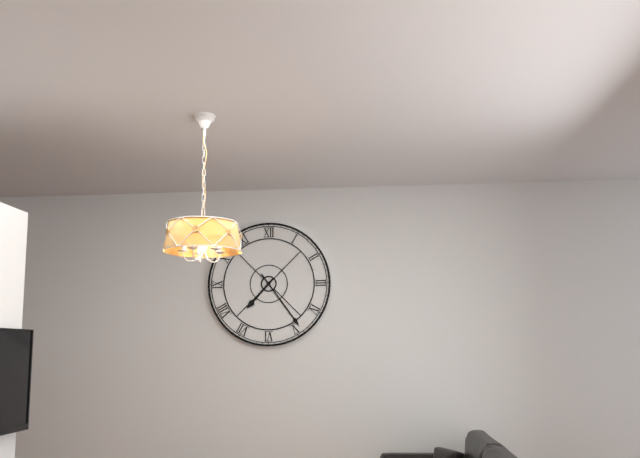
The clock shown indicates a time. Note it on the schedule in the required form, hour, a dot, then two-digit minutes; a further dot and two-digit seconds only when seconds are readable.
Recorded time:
7.24
